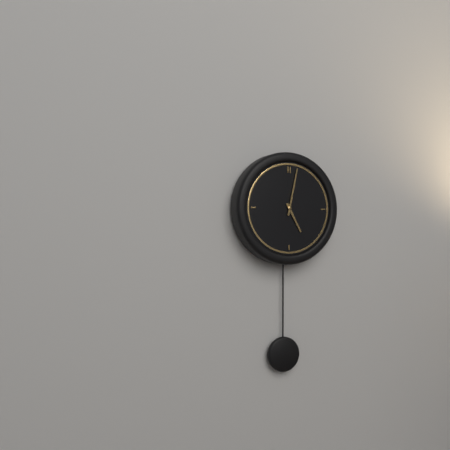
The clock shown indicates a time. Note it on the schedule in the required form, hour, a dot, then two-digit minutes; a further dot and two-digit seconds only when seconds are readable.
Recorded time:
5.02
